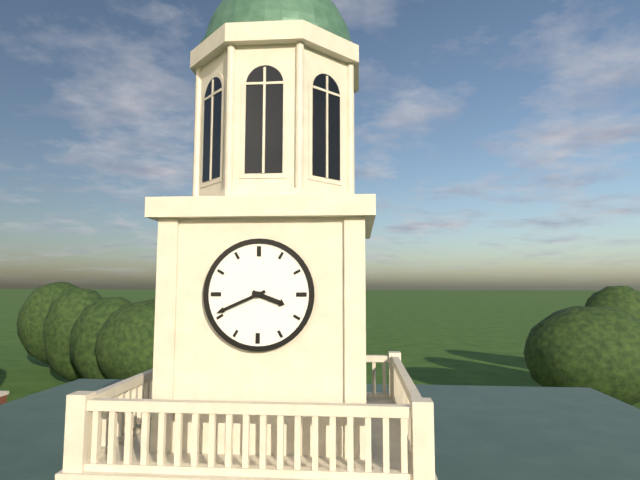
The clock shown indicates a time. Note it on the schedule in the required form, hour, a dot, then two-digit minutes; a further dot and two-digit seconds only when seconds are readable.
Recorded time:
3.41
